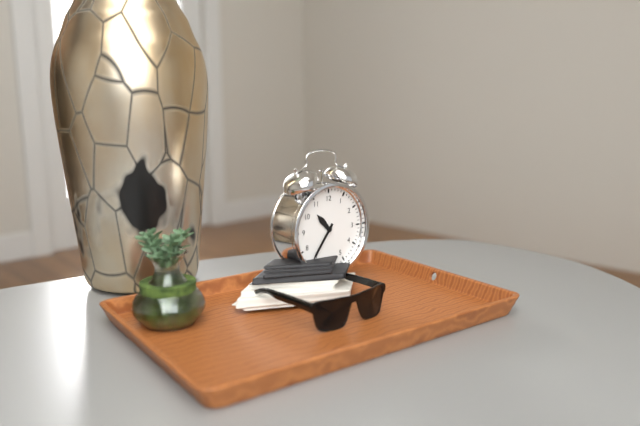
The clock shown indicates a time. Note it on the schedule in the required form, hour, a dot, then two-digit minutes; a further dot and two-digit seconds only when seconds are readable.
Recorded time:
10.36
